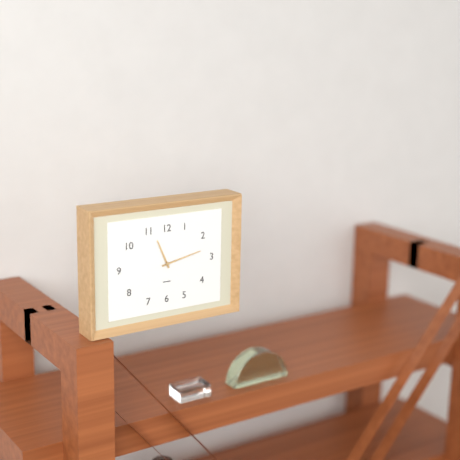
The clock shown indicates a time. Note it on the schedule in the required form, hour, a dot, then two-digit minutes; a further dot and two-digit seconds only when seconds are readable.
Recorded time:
11.13
